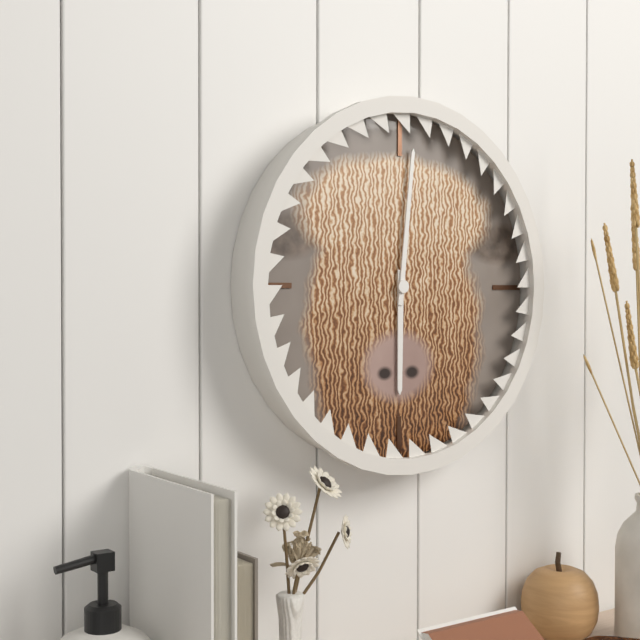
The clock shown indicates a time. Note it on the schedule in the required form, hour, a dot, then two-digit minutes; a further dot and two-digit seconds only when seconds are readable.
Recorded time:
6.01
